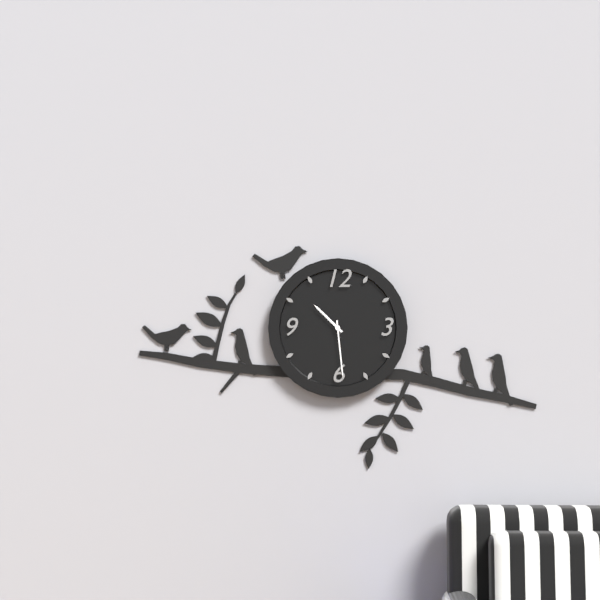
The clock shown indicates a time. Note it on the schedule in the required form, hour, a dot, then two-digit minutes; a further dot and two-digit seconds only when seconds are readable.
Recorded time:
10.29
